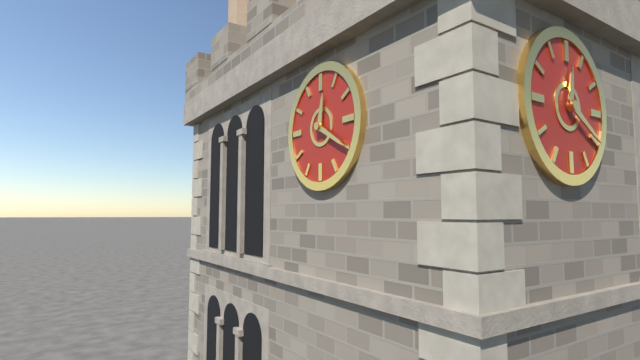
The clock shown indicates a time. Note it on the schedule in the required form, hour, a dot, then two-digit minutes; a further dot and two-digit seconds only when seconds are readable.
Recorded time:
12.20
